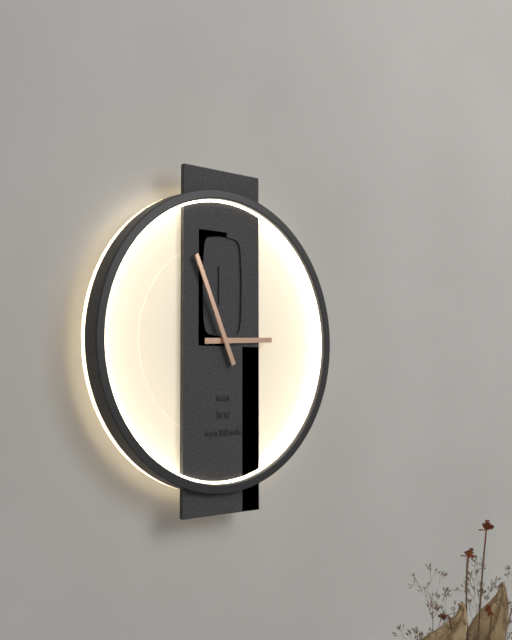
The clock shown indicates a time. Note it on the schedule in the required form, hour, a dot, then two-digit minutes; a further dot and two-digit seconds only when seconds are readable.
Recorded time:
2.56
